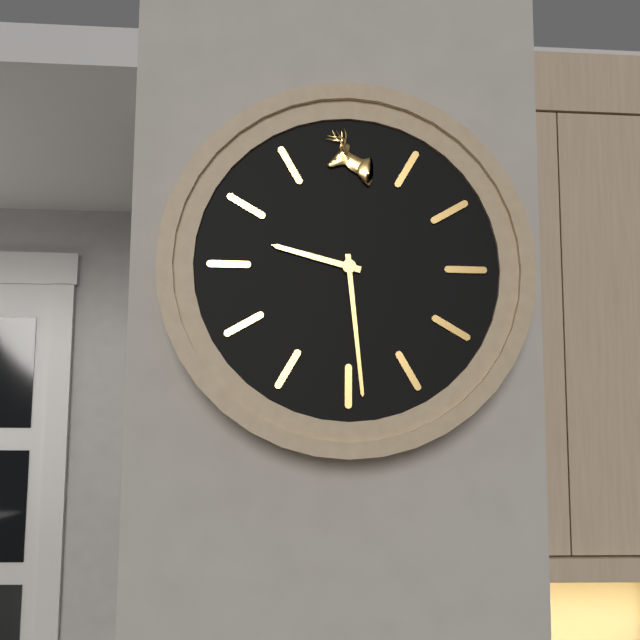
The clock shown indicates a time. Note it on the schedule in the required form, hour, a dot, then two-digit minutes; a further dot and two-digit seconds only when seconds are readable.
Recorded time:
9.29
